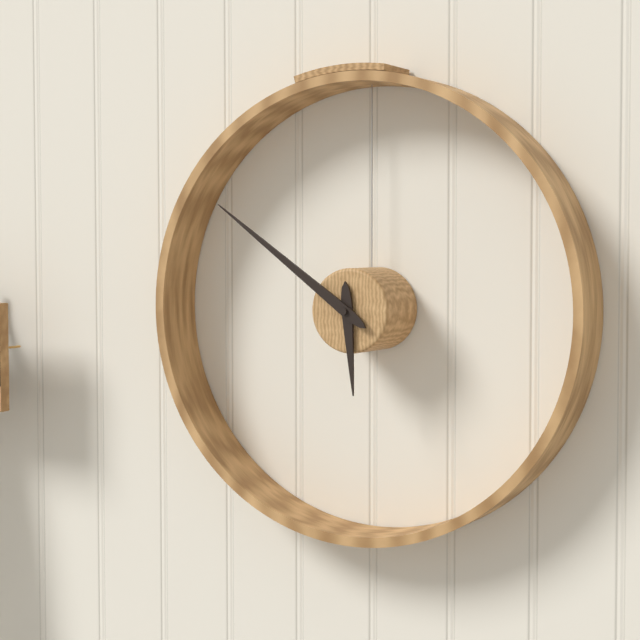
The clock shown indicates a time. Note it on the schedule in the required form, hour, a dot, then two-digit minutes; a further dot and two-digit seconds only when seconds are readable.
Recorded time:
5.51
